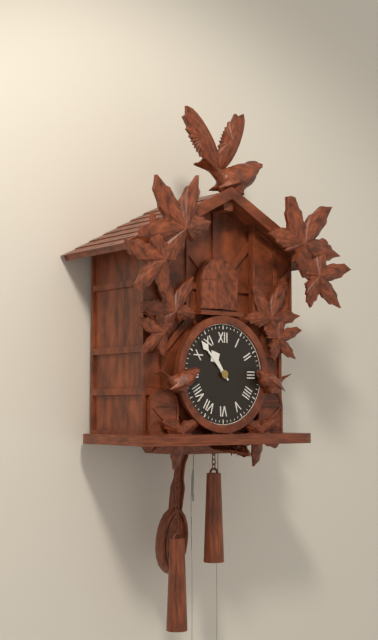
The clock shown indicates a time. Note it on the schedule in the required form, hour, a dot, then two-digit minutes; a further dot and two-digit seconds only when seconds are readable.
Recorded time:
10.53
